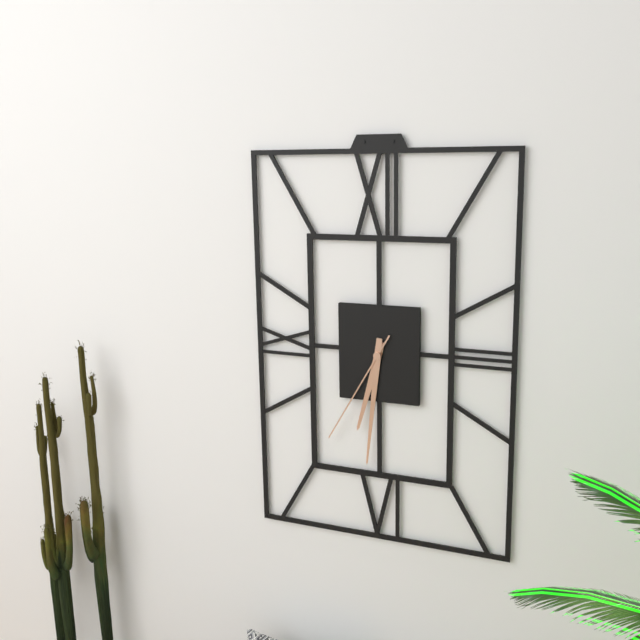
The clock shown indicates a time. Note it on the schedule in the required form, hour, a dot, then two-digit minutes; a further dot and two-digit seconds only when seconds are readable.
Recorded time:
6.31.35
